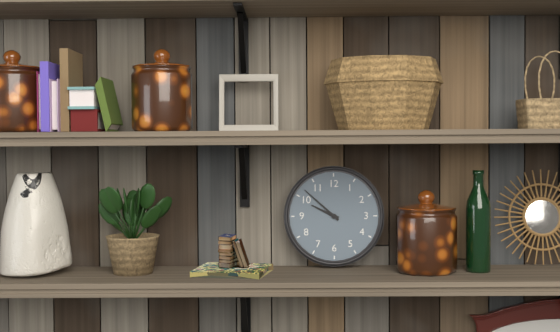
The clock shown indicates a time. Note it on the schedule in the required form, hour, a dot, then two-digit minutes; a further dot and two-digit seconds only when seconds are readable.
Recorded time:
9.52
